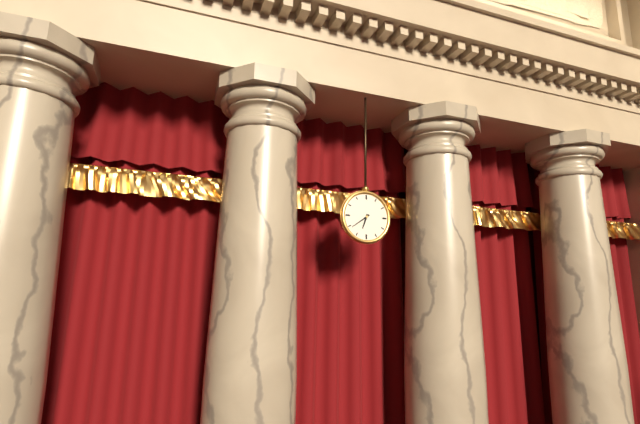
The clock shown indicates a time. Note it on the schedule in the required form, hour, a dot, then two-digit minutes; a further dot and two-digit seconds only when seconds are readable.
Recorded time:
6.39
